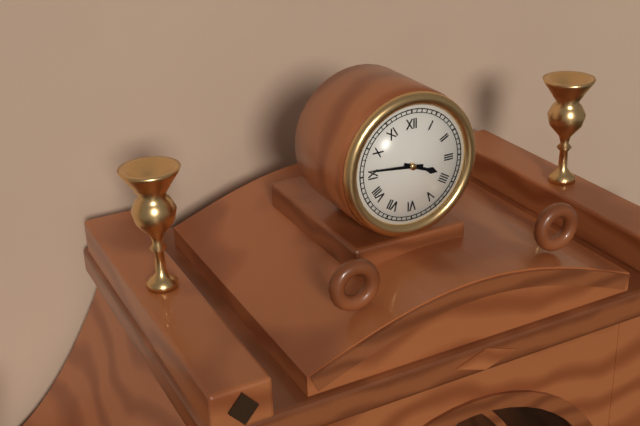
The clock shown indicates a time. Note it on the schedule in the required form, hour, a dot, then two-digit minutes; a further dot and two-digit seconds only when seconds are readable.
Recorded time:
3.46
